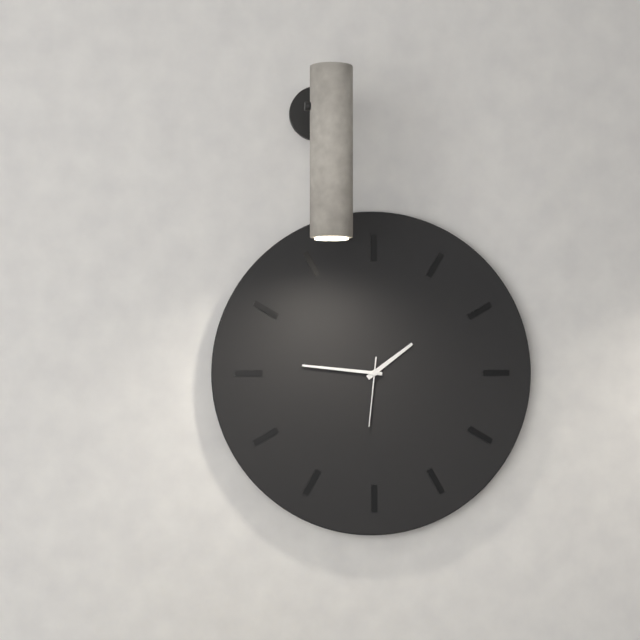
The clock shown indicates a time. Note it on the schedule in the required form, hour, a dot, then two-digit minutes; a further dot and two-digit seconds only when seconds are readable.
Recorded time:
1.46.31
